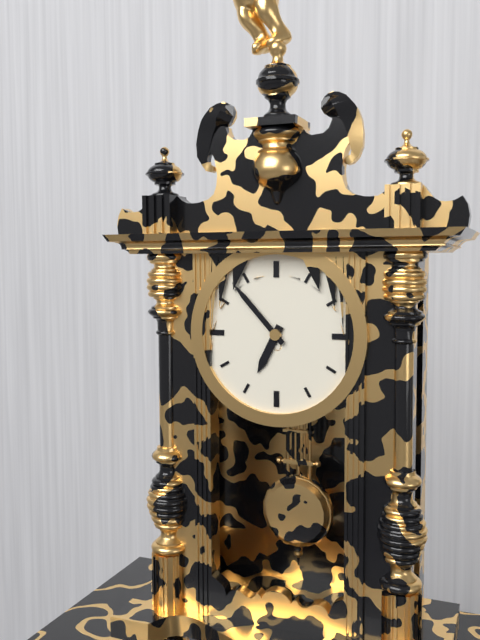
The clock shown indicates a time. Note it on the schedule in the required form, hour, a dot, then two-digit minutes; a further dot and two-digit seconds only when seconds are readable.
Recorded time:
6.53
